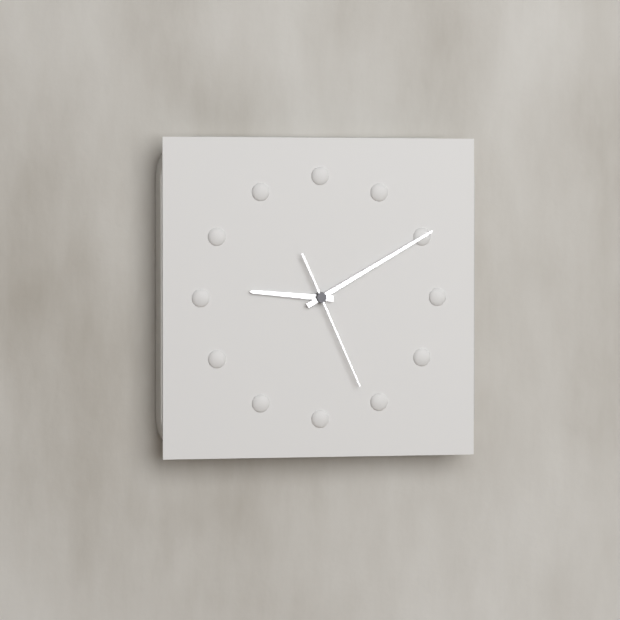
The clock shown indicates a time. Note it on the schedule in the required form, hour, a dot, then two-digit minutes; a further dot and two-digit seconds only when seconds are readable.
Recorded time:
9.10.26
